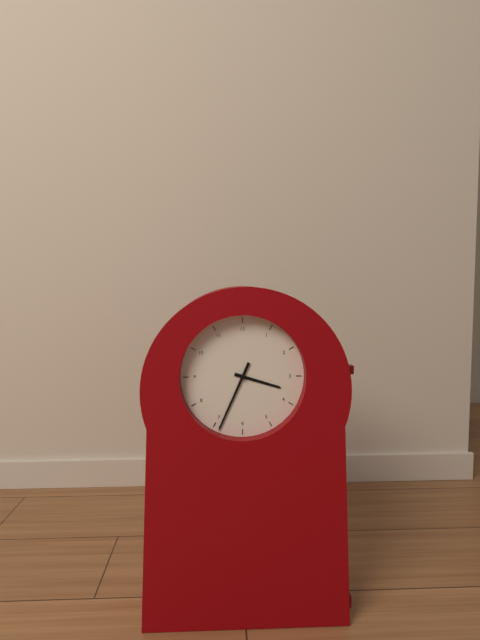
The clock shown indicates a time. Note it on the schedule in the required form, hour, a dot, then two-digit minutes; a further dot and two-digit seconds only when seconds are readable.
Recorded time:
3.34
